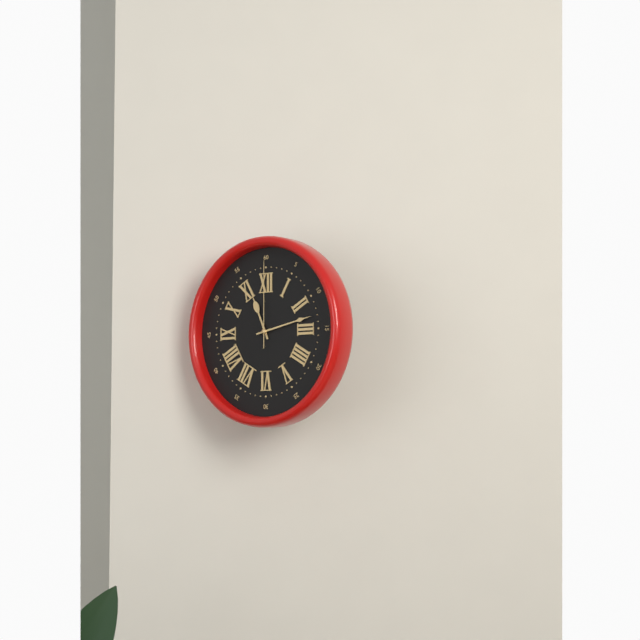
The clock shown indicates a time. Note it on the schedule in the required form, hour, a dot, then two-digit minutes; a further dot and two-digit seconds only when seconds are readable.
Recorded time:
11.13.00
